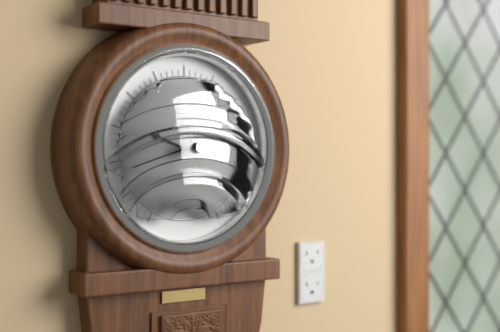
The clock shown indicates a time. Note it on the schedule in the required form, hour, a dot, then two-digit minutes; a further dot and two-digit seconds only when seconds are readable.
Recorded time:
9.42
